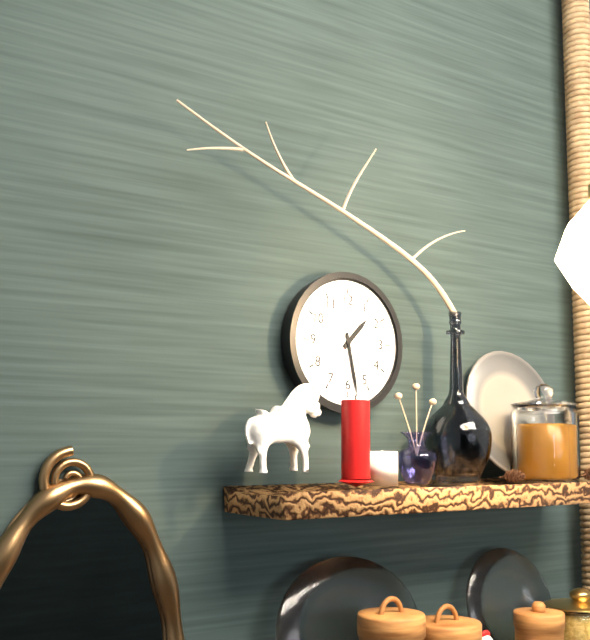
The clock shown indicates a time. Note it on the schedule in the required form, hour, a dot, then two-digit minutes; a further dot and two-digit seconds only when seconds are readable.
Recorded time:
1.28
